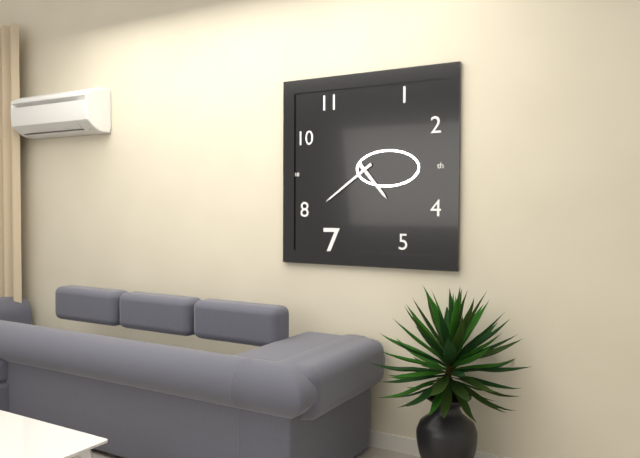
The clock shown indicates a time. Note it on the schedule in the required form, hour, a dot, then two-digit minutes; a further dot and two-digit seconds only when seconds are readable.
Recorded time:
4.39
